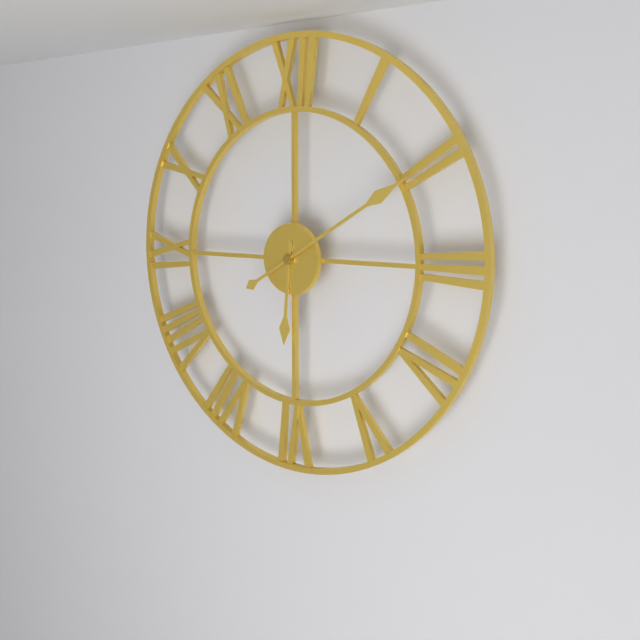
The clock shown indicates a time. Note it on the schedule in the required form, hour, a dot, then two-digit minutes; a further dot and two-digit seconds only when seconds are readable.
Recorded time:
6.10
